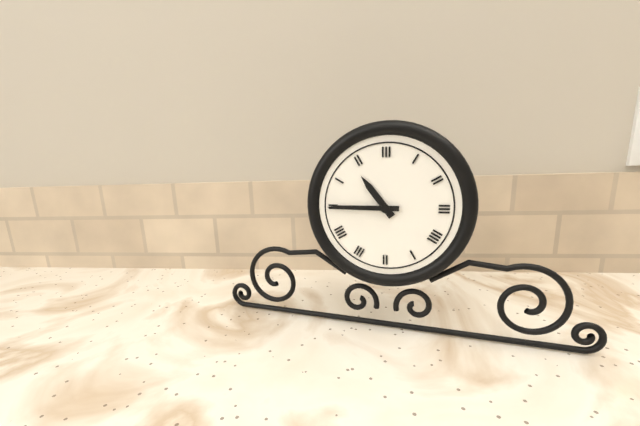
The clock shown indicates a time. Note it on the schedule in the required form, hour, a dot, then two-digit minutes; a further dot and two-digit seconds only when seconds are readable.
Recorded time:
10.45
